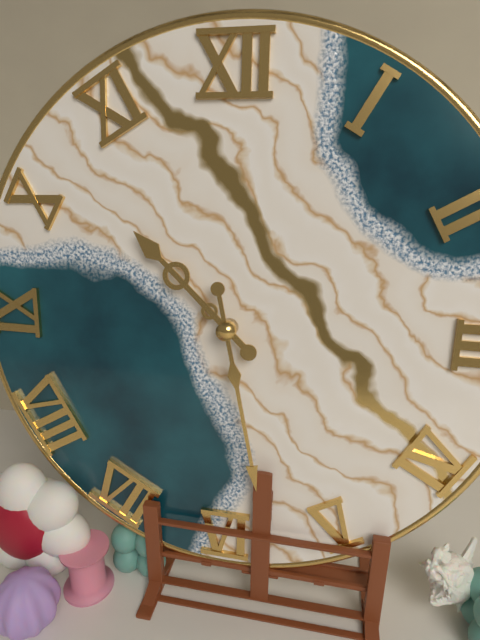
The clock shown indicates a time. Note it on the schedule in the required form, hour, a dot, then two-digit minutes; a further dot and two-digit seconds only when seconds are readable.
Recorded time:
10.28
